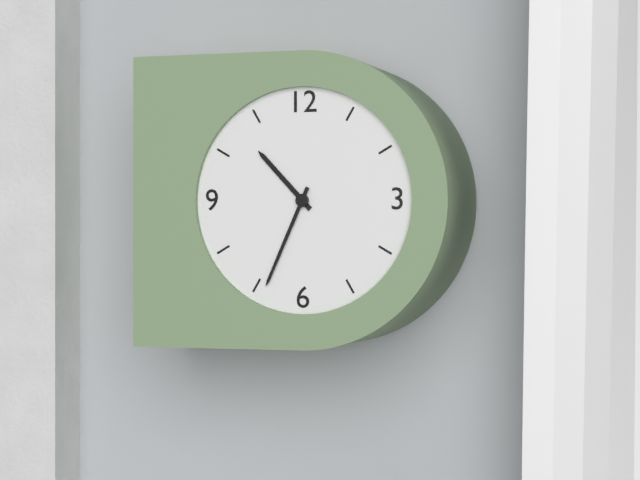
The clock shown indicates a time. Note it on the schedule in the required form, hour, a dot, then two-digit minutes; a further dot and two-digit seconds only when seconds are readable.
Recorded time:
10.34
